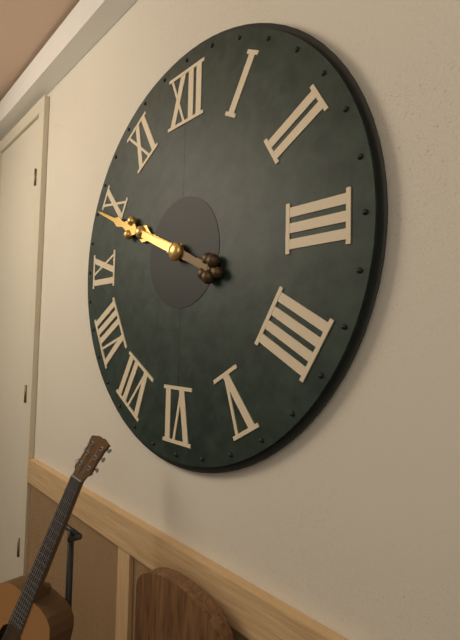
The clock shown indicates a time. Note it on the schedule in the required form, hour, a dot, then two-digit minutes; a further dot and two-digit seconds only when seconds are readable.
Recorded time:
9.49
